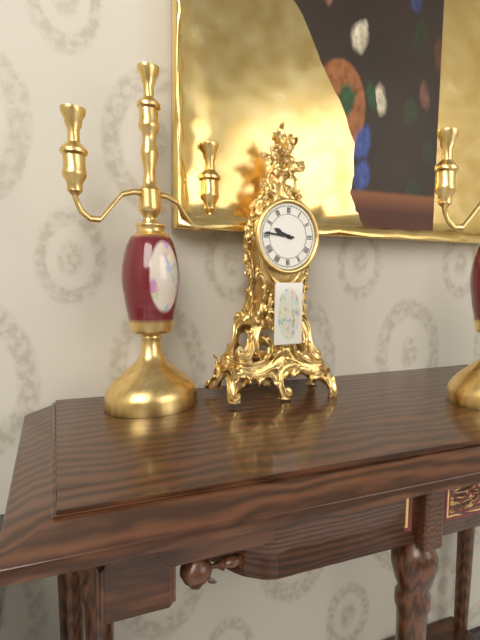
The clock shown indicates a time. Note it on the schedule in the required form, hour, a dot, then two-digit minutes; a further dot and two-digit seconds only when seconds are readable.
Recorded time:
9.46
